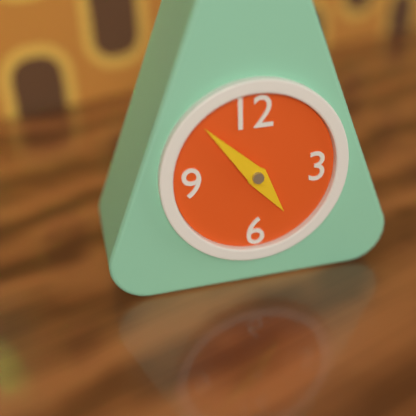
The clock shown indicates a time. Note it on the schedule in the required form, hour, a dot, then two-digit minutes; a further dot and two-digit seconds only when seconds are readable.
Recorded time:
4.53
